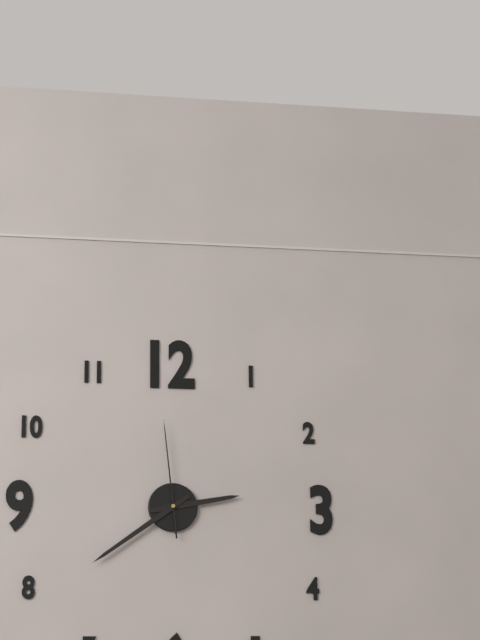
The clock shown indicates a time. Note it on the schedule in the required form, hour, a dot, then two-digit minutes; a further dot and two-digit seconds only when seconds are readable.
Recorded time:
2.39.59
